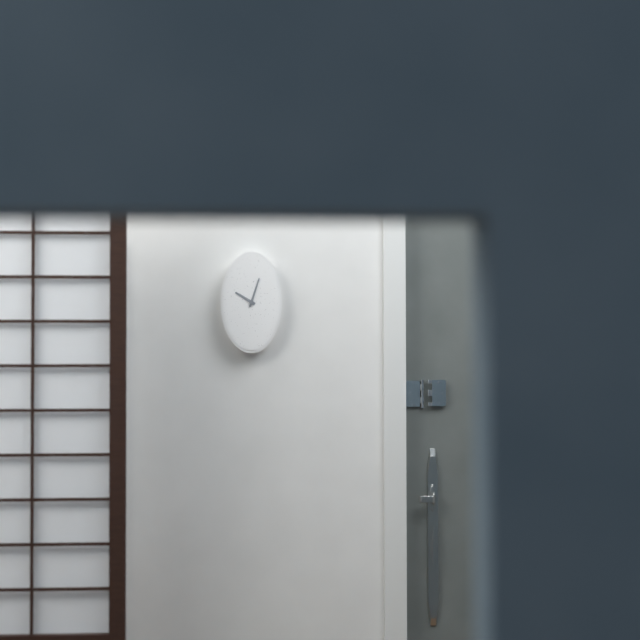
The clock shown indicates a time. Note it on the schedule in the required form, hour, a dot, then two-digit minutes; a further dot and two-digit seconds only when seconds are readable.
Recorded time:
10.03
